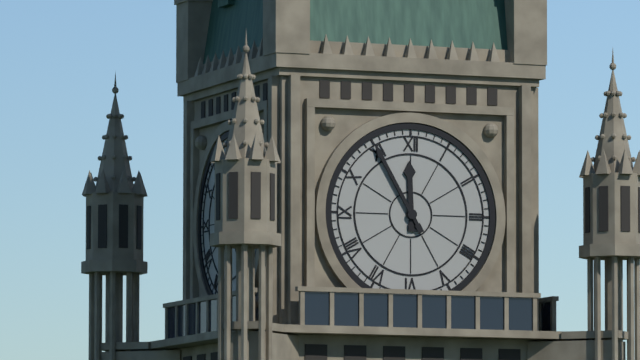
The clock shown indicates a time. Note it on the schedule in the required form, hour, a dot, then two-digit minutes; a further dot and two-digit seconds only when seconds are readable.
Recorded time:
11.55
